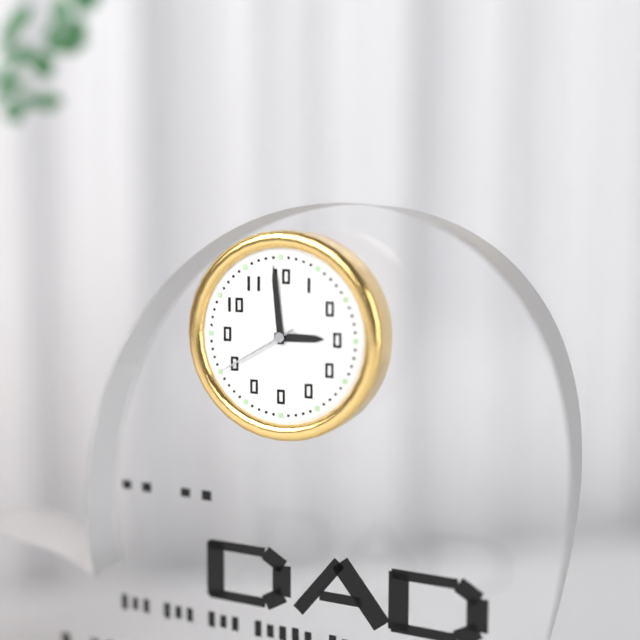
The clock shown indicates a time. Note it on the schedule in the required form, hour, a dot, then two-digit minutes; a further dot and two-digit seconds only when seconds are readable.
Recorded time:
2.59.40
